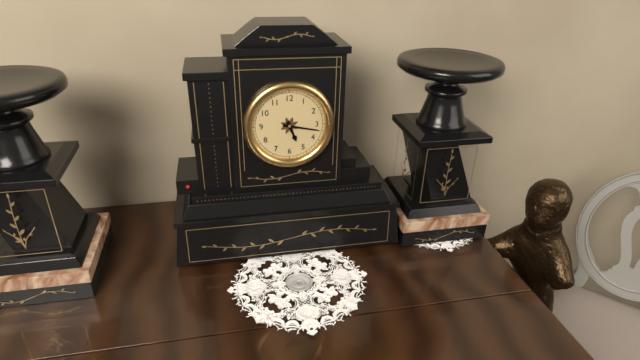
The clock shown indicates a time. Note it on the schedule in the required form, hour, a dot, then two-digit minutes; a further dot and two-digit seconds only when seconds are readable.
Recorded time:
5.17
